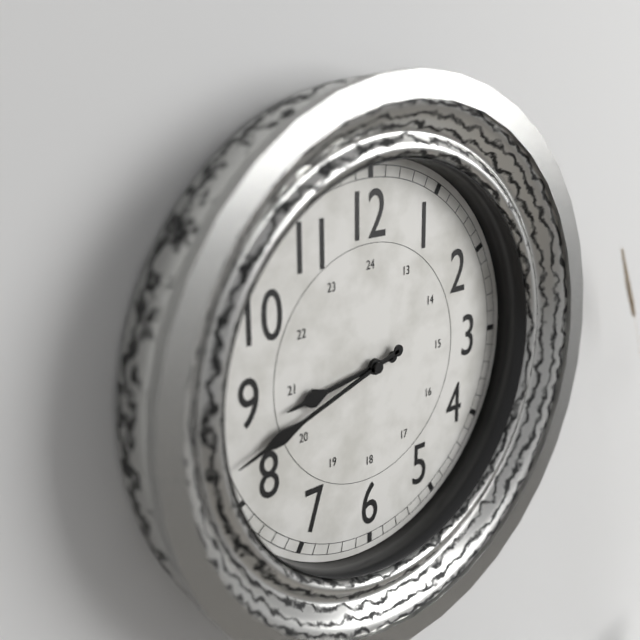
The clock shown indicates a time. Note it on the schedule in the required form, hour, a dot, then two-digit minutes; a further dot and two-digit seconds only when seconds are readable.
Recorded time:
8.42
